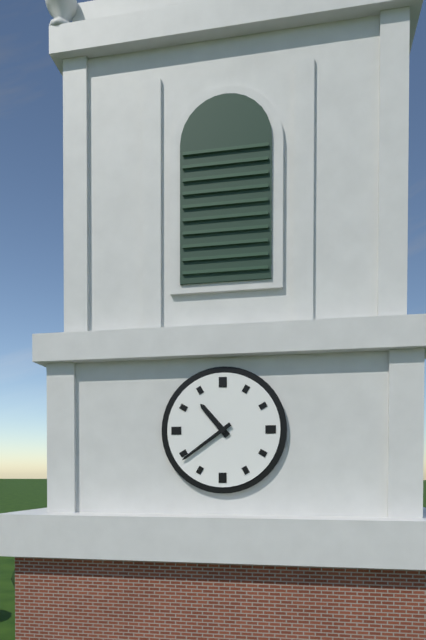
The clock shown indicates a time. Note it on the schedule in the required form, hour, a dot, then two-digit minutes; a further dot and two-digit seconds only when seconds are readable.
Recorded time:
10.39
